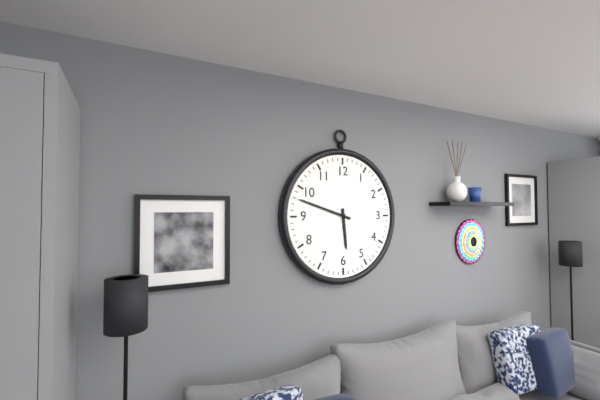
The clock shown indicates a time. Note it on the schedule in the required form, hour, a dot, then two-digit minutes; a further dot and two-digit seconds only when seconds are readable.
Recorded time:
5.48
